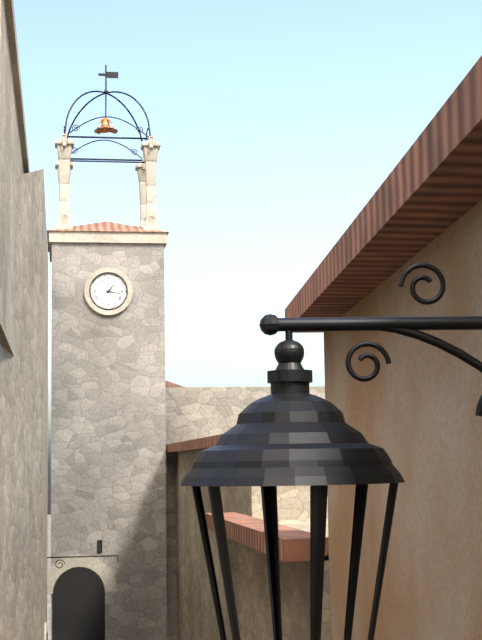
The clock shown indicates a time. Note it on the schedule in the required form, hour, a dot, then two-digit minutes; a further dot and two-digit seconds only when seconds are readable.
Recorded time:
1.17
